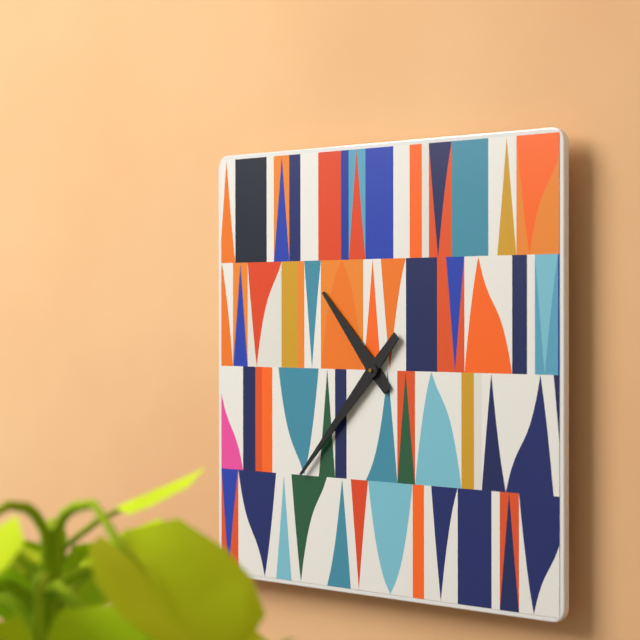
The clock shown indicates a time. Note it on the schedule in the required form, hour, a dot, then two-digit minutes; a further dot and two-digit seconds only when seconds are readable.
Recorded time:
10.37
